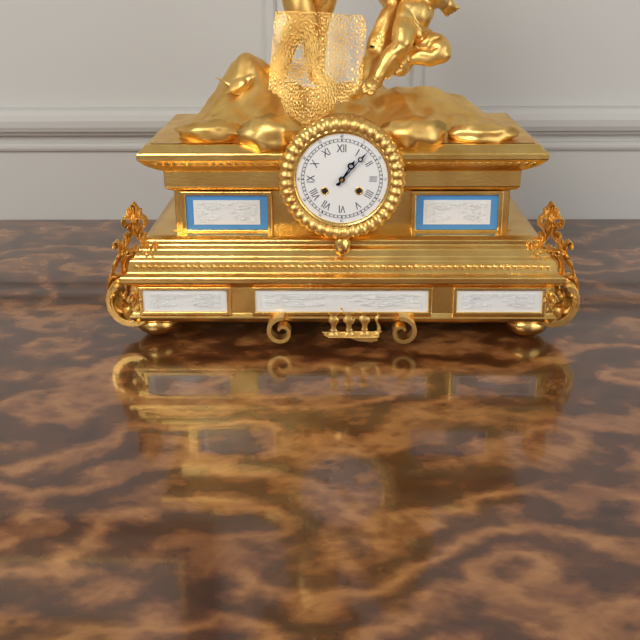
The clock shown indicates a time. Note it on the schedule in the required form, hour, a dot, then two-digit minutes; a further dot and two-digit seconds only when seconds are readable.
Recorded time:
1.07
